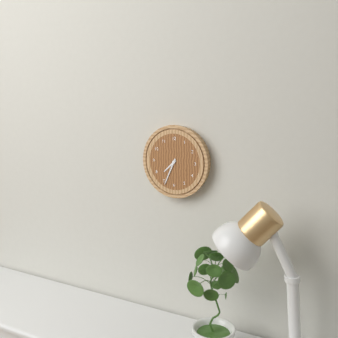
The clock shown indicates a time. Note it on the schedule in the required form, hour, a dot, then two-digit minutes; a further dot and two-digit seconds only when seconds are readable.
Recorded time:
7.34
